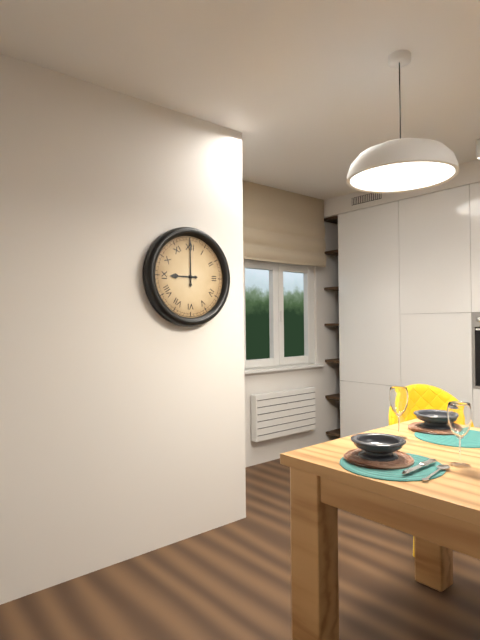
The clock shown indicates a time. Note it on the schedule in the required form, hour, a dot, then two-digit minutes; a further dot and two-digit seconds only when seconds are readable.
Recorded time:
9.00
